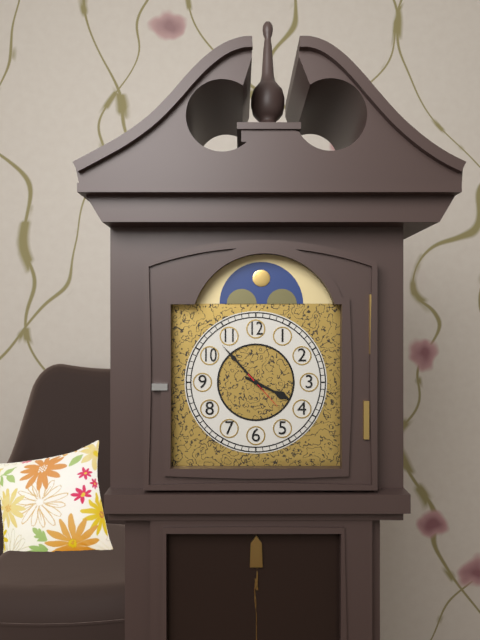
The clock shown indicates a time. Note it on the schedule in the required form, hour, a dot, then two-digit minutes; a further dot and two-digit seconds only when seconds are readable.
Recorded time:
3.53
